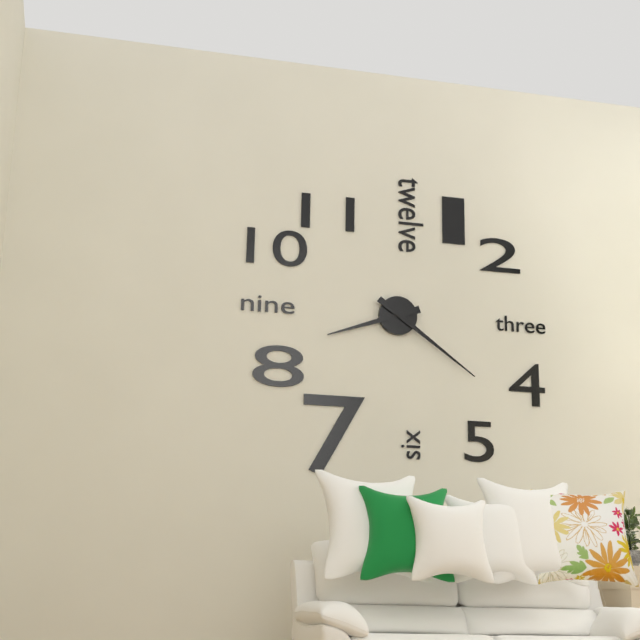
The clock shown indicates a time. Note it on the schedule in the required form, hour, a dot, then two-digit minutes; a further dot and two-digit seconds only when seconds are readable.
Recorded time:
8.21
